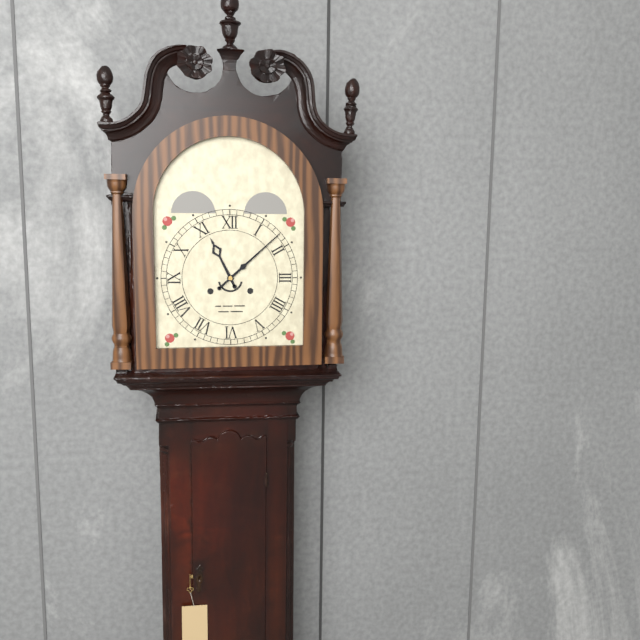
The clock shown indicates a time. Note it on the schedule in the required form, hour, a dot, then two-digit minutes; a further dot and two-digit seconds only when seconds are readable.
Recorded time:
11.08
